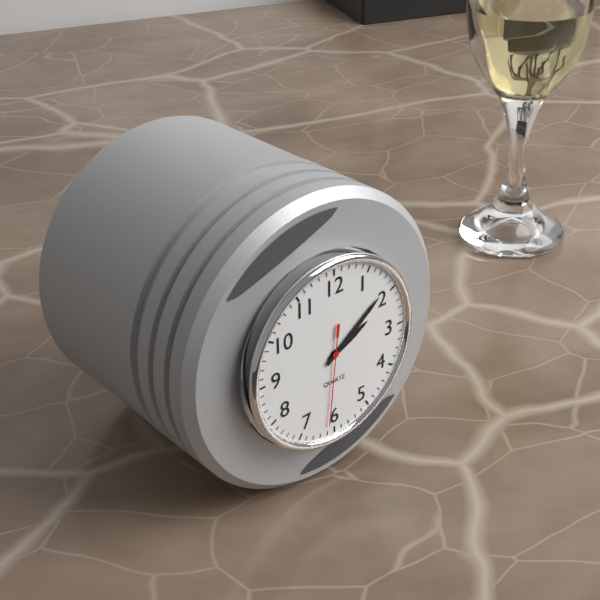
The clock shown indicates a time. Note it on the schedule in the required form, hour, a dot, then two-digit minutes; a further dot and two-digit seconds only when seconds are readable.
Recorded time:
2.09.31
